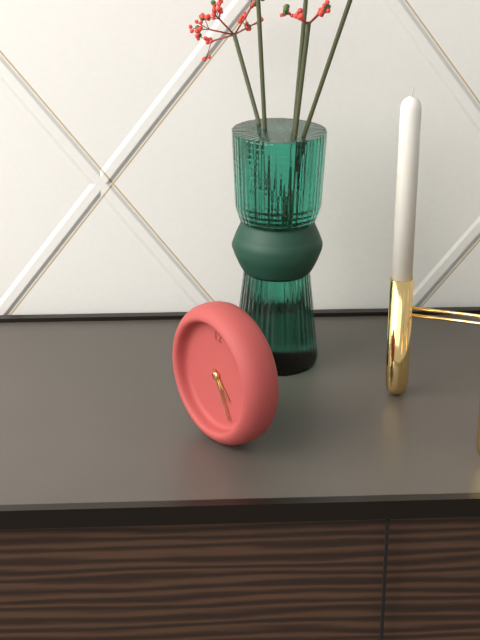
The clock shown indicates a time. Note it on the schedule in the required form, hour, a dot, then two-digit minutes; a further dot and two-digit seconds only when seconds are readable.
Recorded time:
4.25
